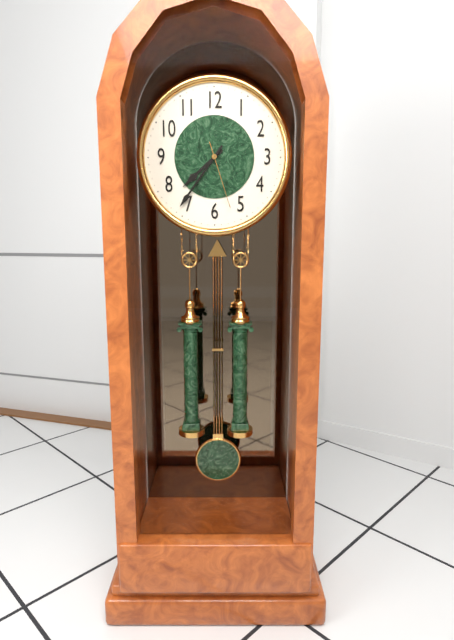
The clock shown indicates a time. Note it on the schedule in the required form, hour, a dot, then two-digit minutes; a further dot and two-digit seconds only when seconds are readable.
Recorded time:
7.36.27
